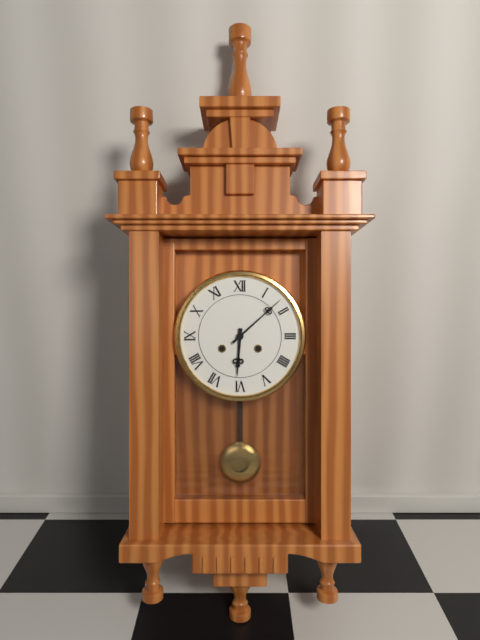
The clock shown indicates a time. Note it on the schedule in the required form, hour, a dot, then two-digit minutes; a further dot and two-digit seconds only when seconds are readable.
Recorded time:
6.08
